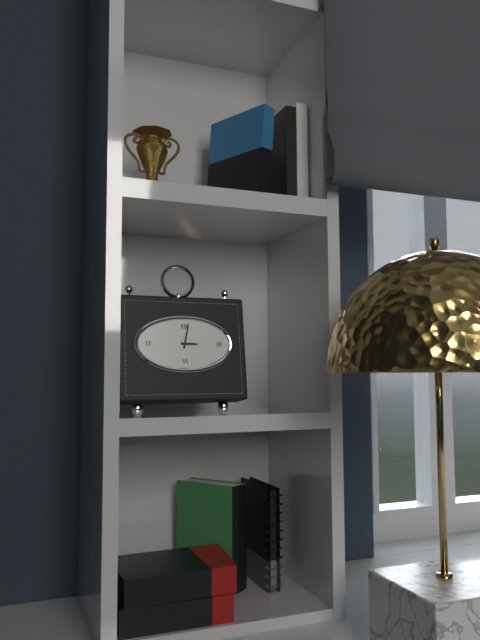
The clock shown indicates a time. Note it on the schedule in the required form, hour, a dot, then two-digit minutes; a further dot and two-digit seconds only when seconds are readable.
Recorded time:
3.02
